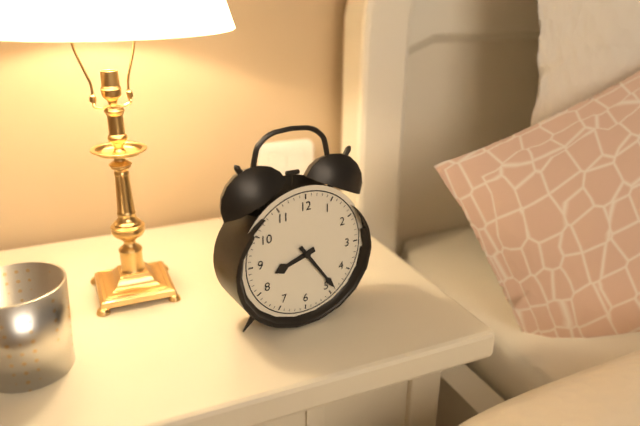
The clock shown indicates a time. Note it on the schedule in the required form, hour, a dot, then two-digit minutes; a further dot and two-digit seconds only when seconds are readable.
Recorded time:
8.24
